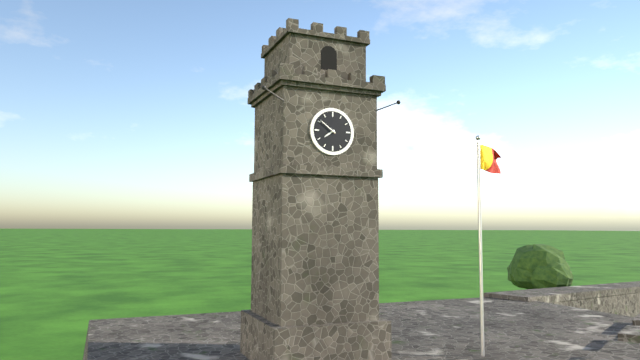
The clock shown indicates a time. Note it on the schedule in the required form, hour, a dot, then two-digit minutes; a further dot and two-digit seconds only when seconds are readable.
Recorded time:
7.51
